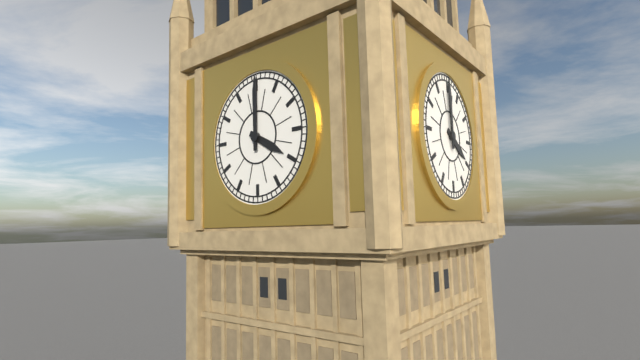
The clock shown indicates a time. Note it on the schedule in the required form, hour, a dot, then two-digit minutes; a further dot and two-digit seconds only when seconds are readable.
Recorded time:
4.00
